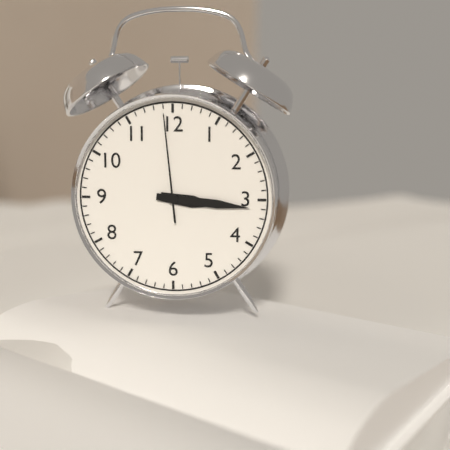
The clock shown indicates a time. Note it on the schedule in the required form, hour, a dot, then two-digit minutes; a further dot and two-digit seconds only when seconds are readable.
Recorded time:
3.16.59
